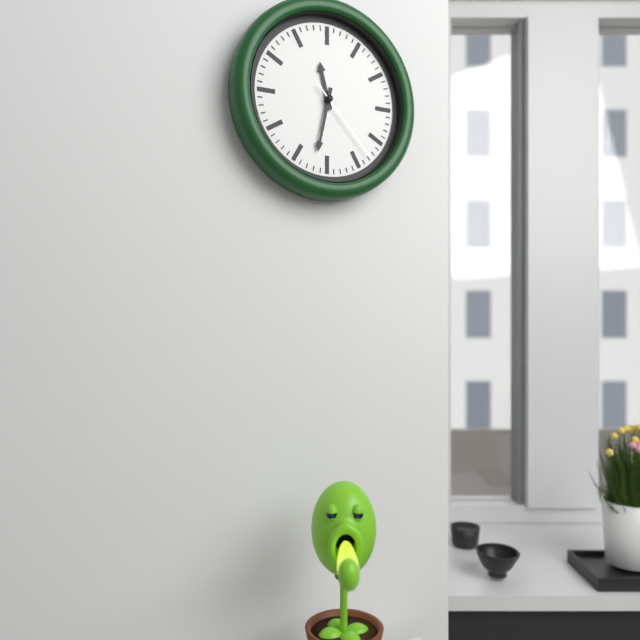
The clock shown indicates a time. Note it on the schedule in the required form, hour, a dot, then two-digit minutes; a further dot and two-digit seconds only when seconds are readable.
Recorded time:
11.32.23
